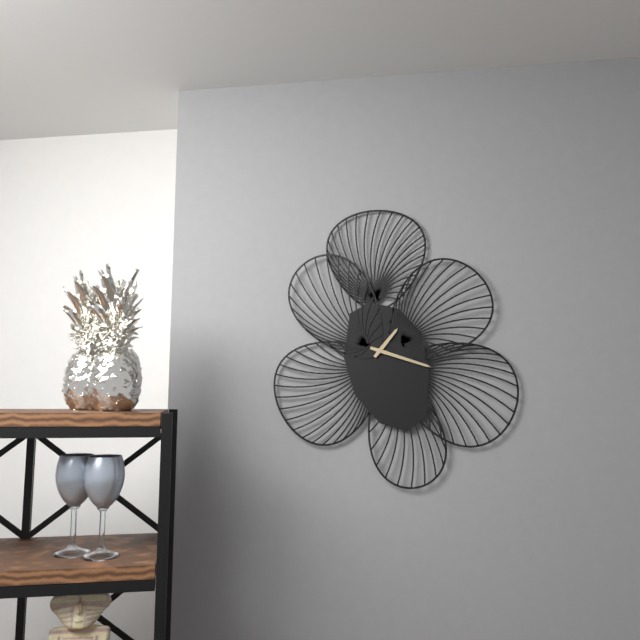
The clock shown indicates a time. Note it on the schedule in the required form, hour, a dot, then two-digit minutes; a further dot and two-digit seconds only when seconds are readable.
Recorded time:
1.18
